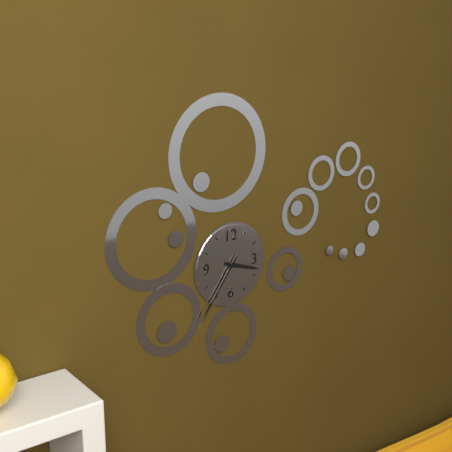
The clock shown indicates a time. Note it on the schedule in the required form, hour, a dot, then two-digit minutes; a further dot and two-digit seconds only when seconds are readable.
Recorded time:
3.36
